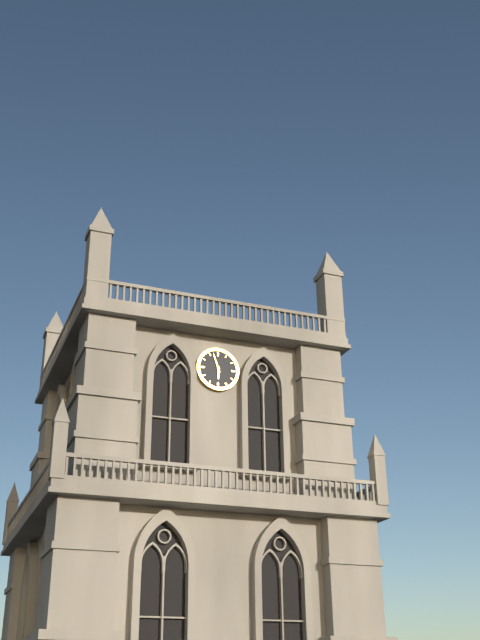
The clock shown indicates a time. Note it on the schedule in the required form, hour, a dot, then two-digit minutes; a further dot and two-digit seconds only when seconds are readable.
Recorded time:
5.57
